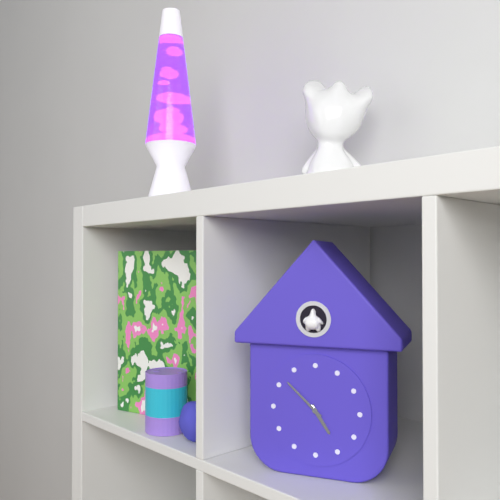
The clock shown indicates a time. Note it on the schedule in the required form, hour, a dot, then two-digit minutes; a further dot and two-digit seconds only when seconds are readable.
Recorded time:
4.52
